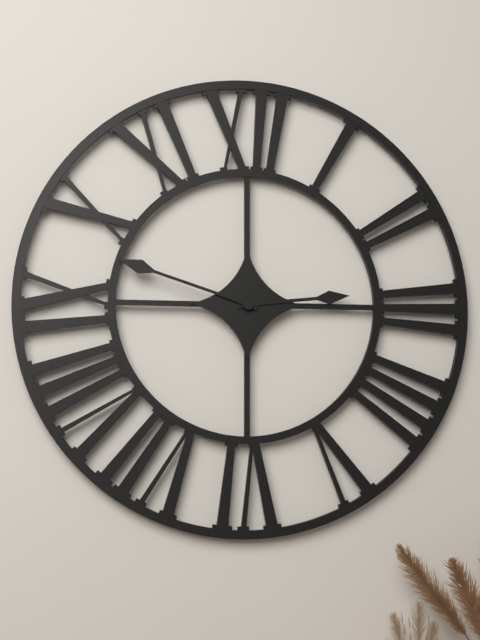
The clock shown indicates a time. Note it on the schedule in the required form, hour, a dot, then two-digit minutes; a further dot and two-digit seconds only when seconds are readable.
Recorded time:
2.48
